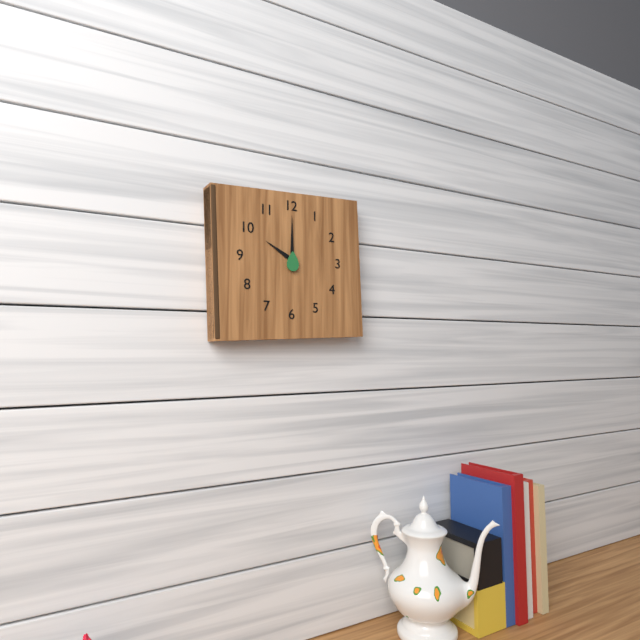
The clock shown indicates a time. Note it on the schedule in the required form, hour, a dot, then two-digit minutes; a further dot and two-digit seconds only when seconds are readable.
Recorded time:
10.00
